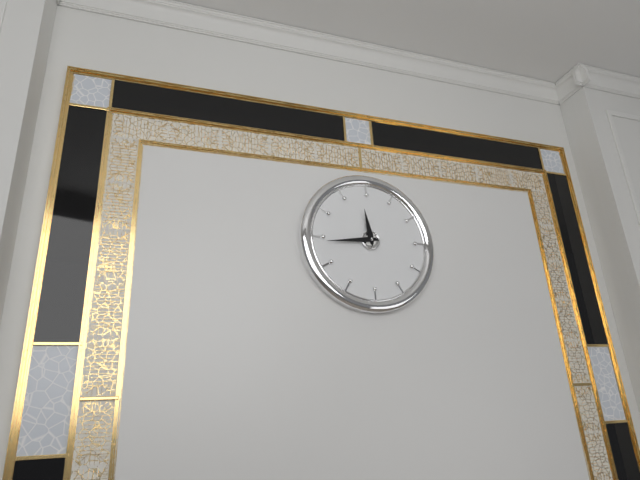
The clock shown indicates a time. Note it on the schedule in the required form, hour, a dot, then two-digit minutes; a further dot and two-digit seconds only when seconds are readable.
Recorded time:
11.44
